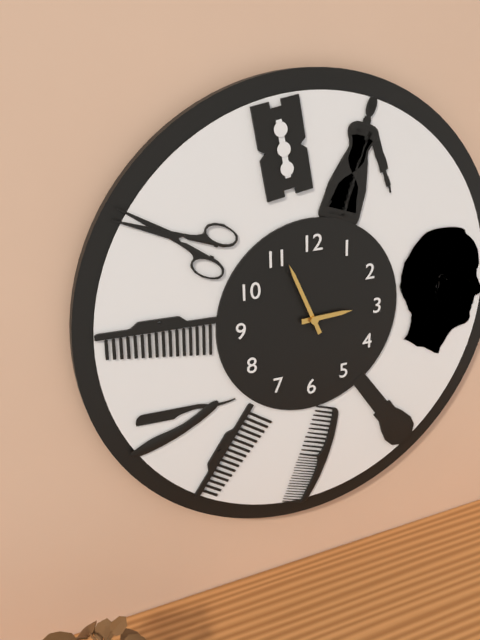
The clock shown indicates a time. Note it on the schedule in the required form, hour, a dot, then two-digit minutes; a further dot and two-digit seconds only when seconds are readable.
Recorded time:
2.56
